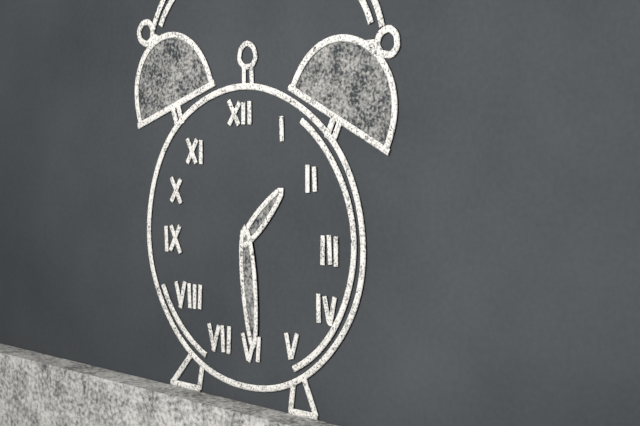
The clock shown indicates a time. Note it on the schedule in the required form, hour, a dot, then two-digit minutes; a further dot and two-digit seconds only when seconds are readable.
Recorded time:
1.29
